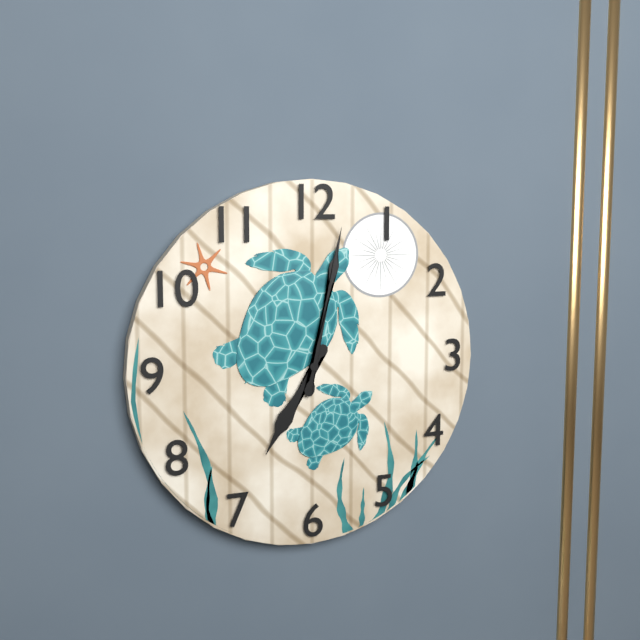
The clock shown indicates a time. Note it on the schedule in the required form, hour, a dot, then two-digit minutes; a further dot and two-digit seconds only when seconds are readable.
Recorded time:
7.02
